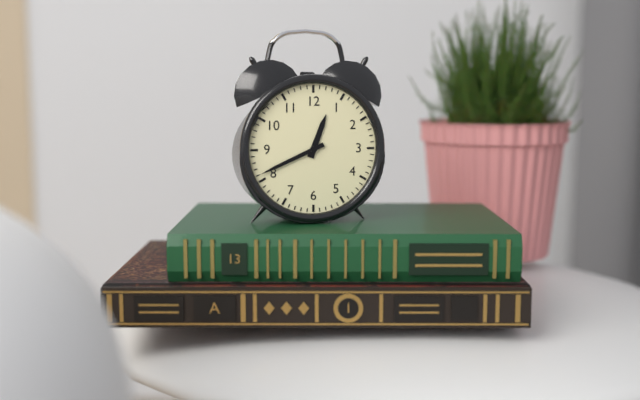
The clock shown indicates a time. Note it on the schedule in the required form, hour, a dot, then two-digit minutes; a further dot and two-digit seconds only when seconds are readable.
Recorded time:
12.41
